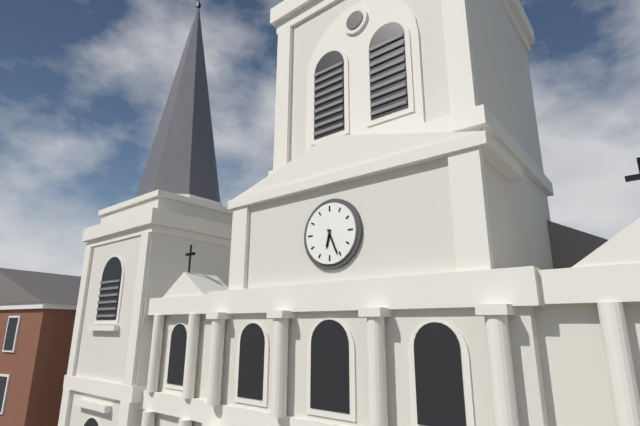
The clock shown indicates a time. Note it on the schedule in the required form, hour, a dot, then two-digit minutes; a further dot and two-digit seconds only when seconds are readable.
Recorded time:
6.26
